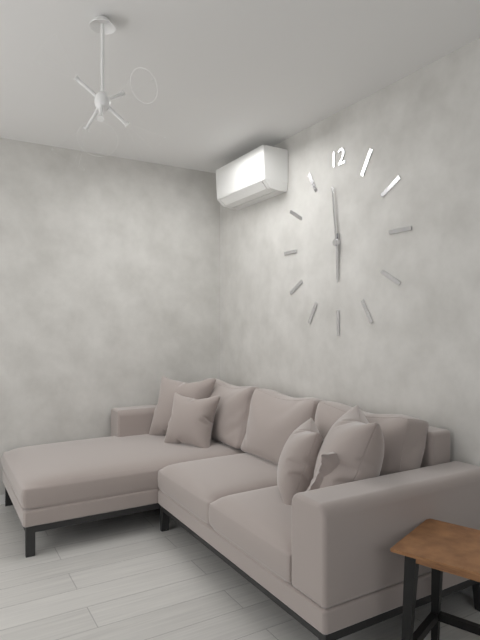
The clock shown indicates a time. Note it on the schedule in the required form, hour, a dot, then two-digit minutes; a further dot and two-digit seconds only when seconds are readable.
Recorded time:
5.59
